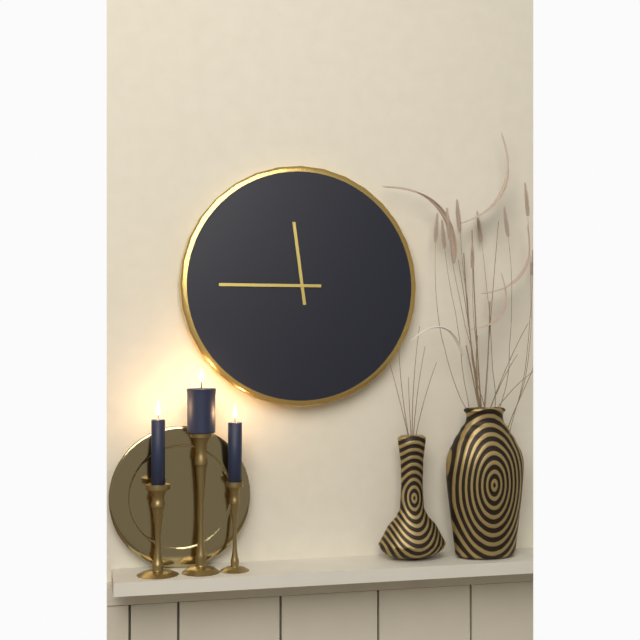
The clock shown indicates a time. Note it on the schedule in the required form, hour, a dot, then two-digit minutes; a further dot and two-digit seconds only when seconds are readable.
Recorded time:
11.45
